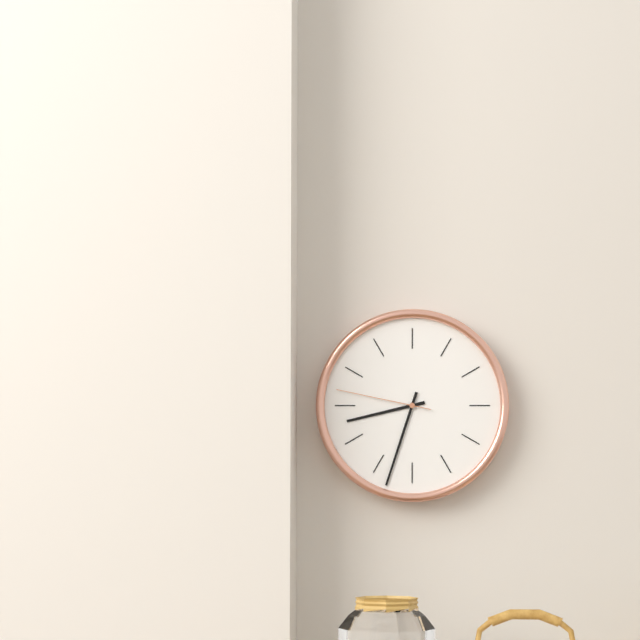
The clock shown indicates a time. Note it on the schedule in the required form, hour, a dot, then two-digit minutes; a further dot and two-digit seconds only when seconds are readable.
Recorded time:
8.33.47
